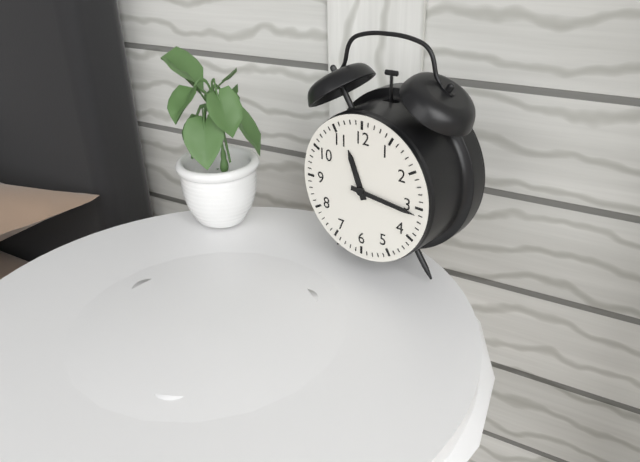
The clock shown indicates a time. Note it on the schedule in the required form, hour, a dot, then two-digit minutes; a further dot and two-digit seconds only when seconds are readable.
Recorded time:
11.16
